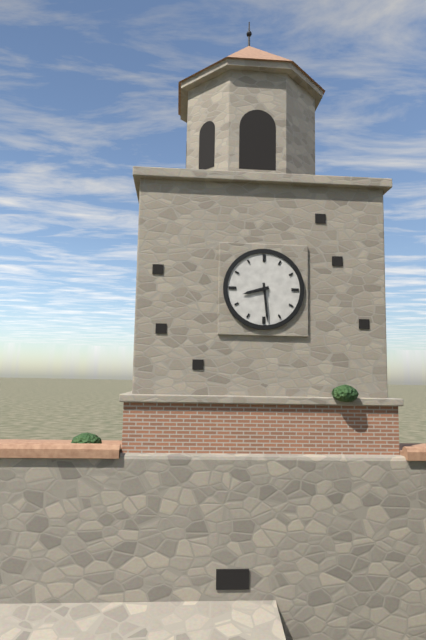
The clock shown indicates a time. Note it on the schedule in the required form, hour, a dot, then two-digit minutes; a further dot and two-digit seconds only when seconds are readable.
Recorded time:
8.29
